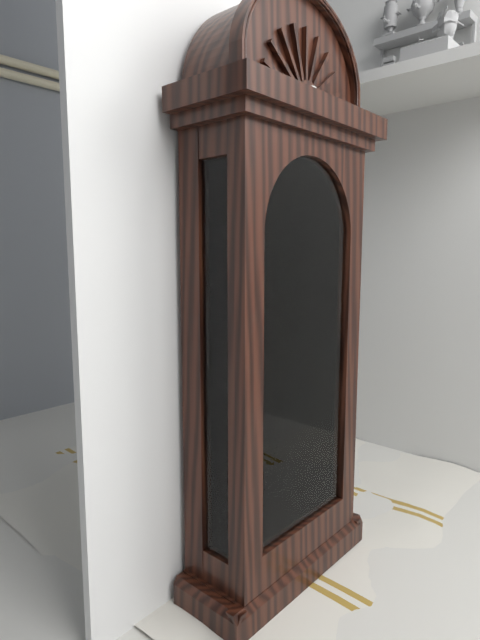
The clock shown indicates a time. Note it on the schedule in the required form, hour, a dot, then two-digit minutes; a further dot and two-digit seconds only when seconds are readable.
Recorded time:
9.06
